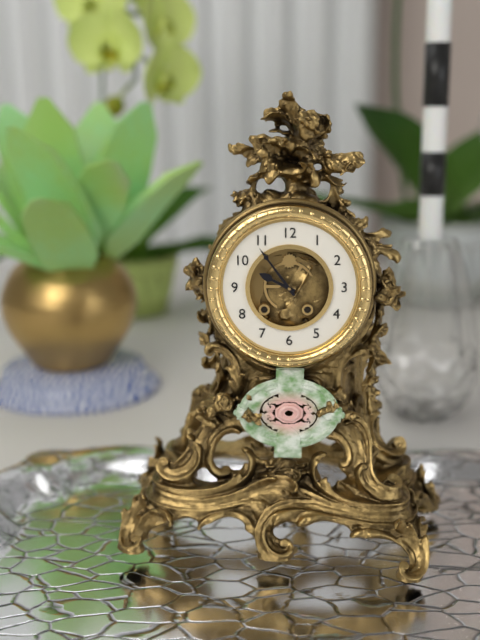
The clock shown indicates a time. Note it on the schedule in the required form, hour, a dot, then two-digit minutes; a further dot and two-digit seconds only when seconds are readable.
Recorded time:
9.54
